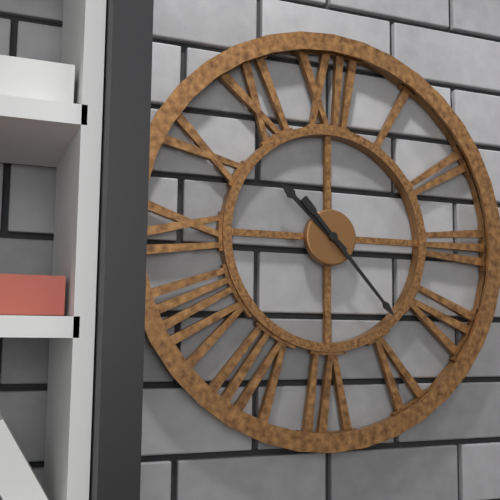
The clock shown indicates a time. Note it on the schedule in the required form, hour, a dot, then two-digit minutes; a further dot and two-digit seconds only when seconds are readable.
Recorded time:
10.23
